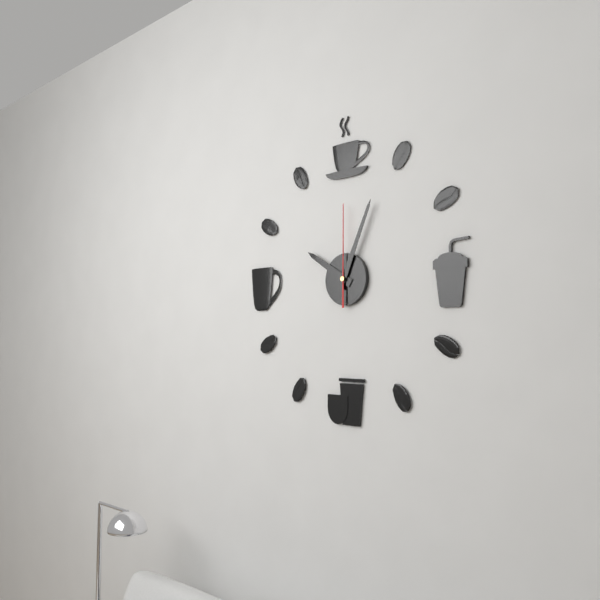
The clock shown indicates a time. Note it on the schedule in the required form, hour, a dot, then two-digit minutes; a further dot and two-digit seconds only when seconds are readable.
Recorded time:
10.04.00
